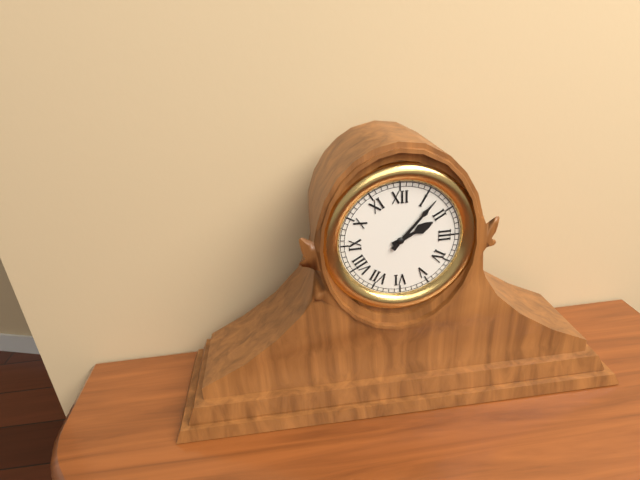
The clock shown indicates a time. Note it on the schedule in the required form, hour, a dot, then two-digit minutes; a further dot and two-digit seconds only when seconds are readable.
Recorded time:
2.07
